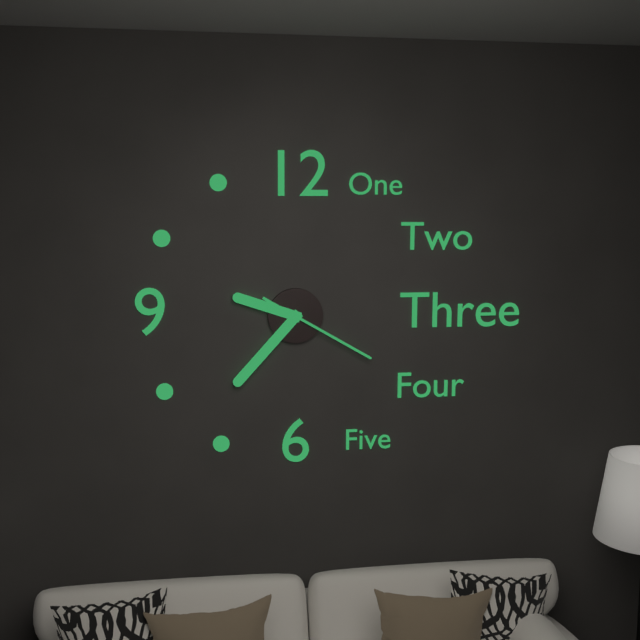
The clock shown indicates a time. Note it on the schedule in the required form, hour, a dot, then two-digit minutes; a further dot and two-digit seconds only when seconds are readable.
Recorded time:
9.37.20
